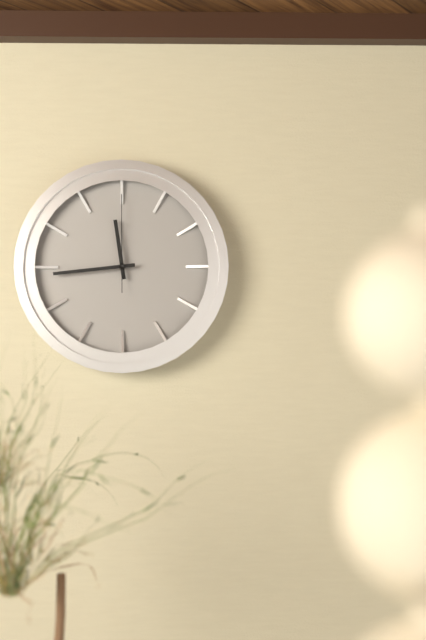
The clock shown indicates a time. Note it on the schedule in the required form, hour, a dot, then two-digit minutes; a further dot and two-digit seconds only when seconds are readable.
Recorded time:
11.44.00
